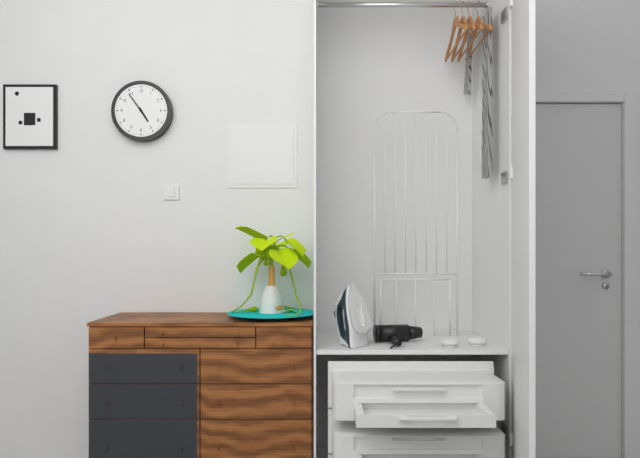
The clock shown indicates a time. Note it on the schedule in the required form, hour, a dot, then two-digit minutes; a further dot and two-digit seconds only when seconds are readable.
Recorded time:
4.54
